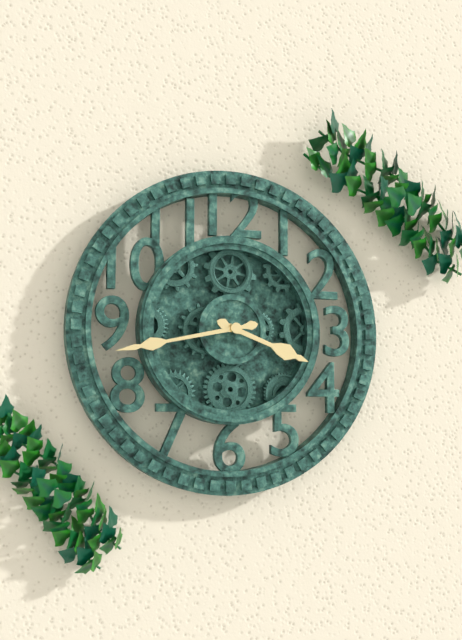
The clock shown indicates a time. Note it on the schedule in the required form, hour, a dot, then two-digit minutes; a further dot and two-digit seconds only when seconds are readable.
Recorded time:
3.43
